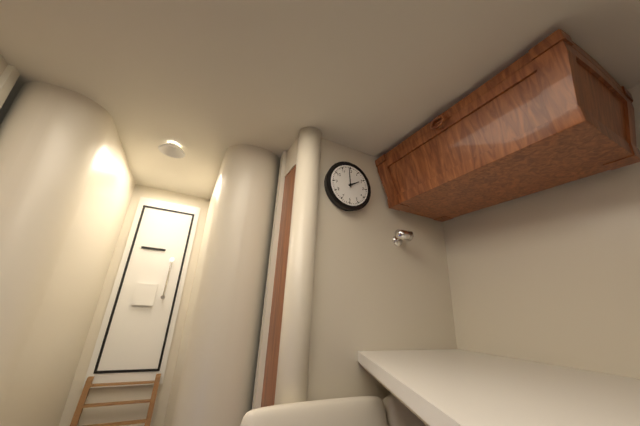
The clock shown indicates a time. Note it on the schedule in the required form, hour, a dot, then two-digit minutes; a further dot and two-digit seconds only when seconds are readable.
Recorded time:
1.59
